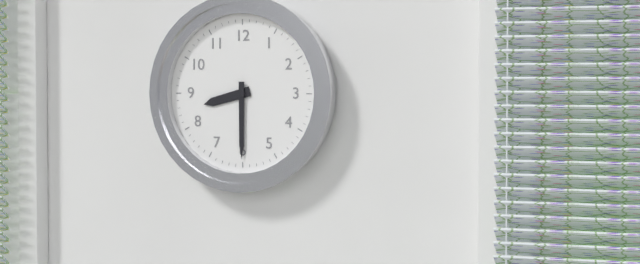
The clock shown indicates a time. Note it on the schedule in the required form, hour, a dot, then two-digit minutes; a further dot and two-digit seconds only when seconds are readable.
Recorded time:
8.30
